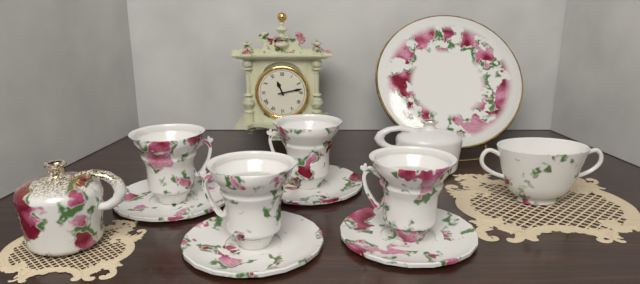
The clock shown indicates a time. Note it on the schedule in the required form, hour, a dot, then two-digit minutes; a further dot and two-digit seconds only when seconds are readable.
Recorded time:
11.13
